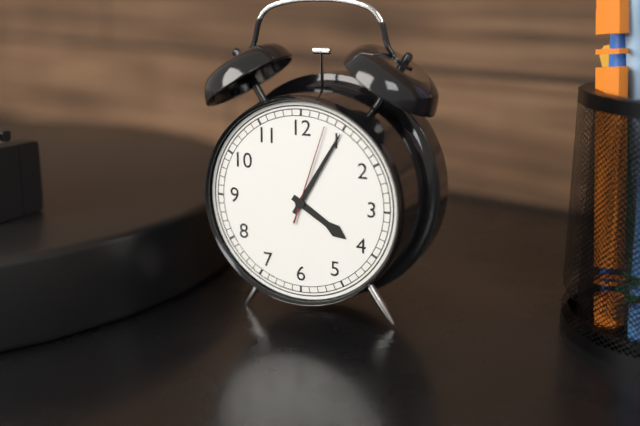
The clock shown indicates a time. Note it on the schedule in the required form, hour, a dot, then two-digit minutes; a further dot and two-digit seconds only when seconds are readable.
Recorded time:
4.05.03
